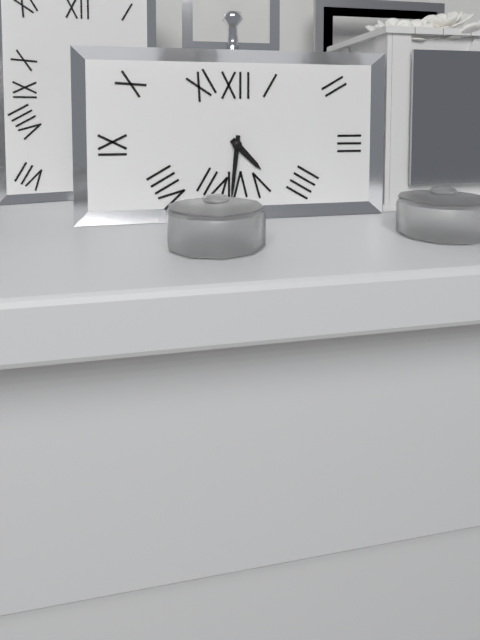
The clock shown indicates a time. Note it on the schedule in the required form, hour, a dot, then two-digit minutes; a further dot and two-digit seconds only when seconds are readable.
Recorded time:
4.31
